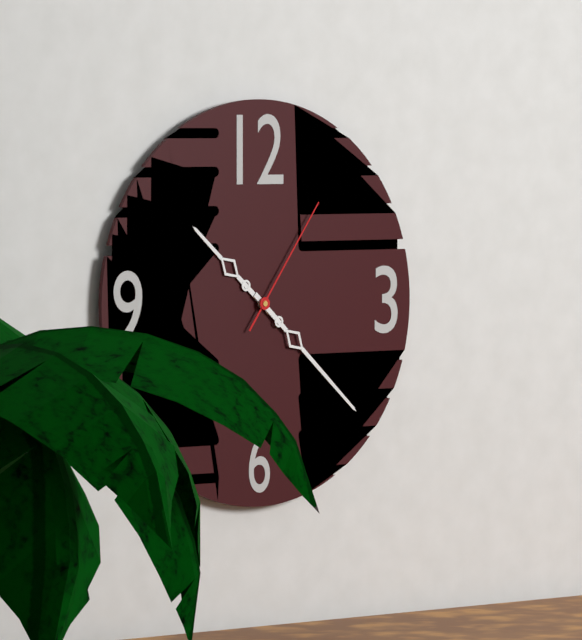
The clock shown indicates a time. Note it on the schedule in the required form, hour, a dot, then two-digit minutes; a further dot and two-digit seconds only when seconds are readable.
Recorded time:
10.22.06
